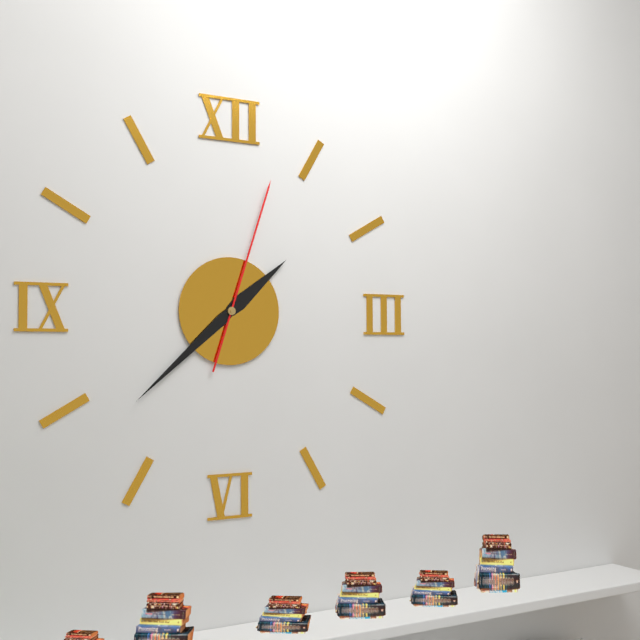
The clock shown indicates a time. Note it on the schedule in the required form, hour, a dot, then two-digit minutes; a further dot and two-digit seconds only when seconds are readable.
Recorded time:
1.38.03
